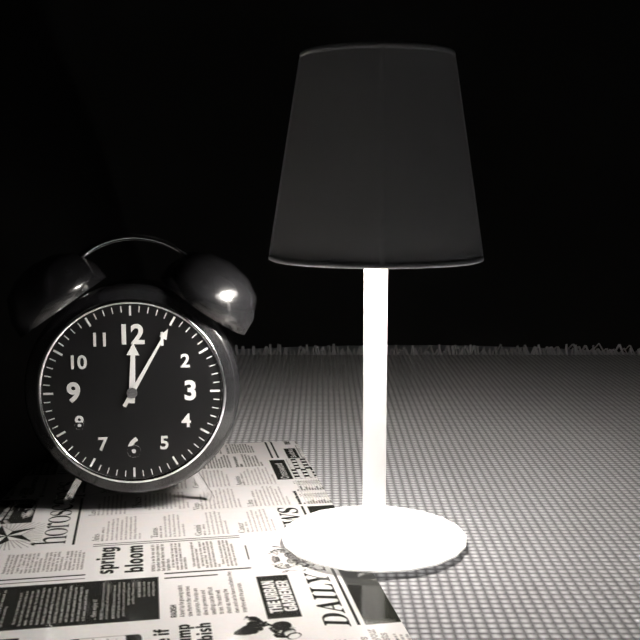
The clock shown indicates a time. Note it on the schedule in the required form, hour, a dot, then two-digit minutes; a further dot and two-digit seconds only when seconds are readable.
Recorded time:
12.05
